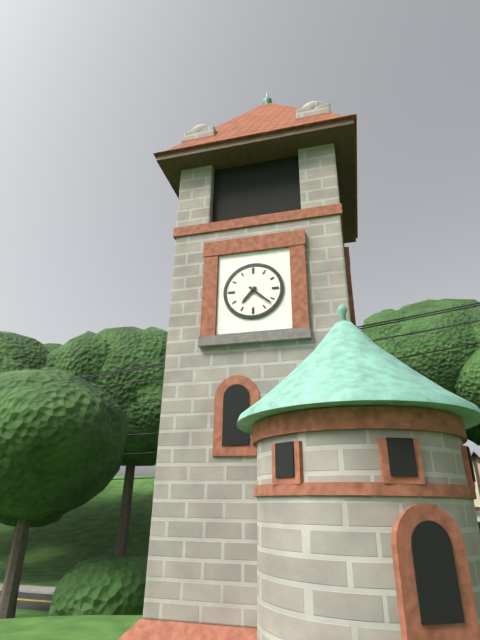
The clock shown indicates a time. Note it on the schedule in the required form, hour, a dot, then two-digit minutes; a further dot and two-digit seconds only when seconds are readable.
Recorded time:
7.22
